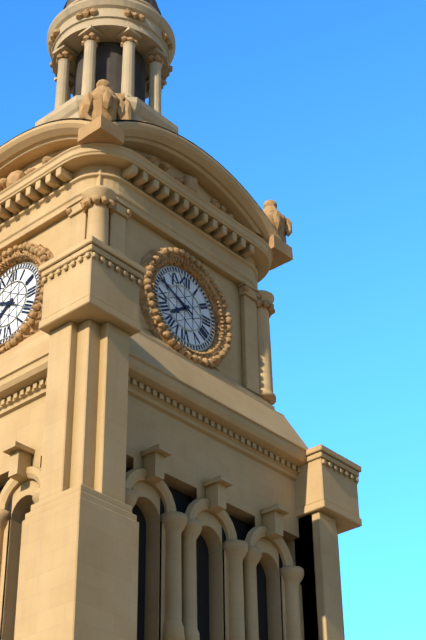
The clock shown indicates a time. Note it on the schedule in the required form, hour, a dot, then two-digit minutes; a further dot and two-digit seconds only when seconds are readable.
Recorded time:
7.49
